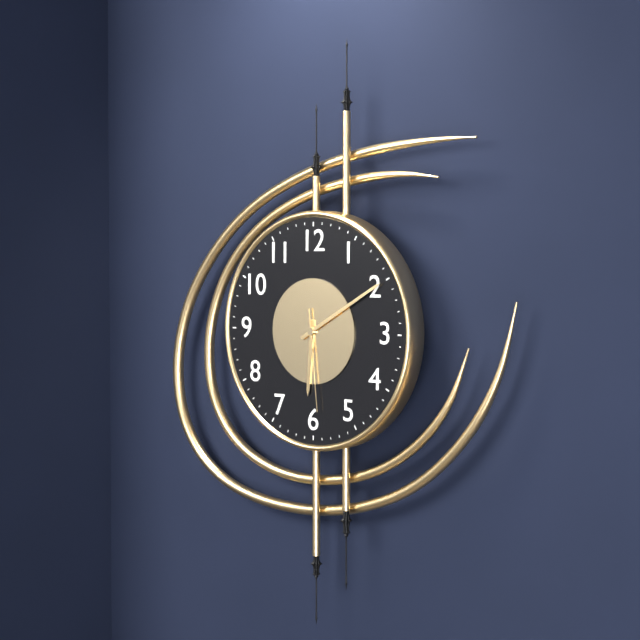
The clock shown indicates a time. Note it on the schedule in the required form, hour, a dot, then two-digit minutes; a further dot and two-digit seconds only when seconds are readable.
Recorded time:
6.10.29
